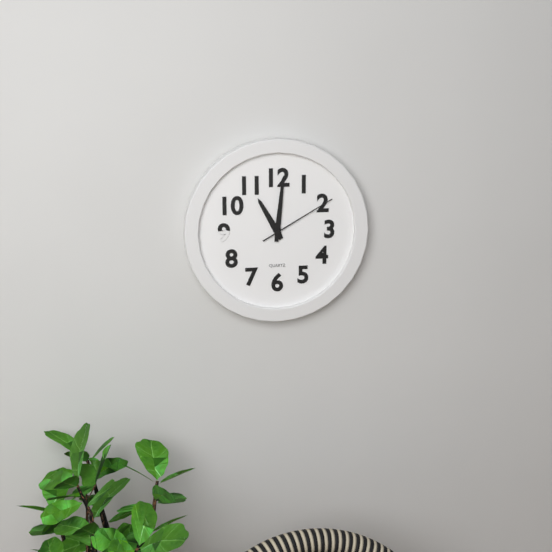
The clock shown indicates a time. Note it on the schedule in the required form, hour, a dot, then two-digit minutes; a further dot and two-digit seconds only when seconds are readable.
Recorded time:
11.01.10
